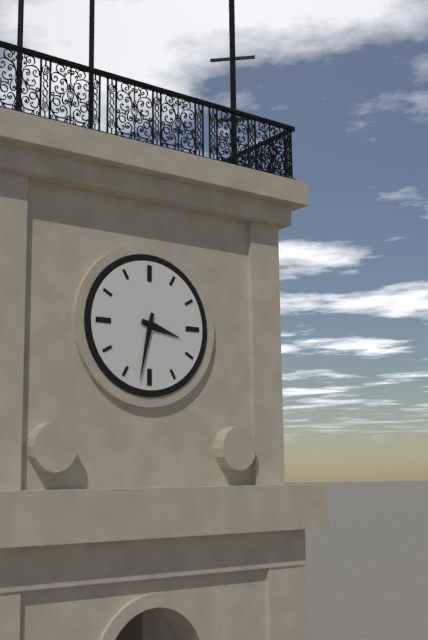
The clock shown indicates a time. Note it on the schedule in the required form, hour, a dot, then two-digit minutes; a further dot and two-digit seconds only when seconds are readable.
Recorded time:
3.32
